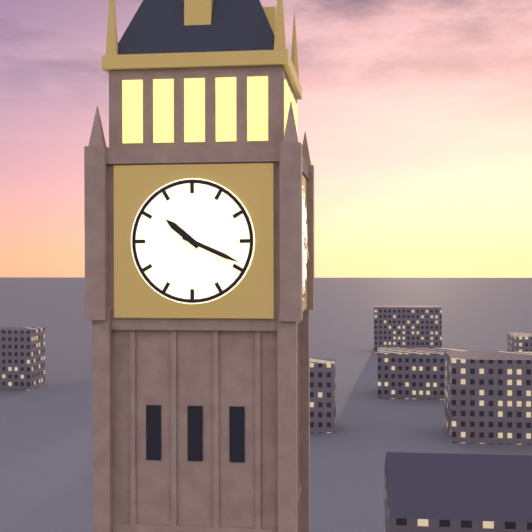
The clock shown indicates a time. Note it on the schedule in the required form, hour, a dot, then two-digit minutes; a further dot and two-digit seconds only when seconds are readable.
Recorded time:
10.19
